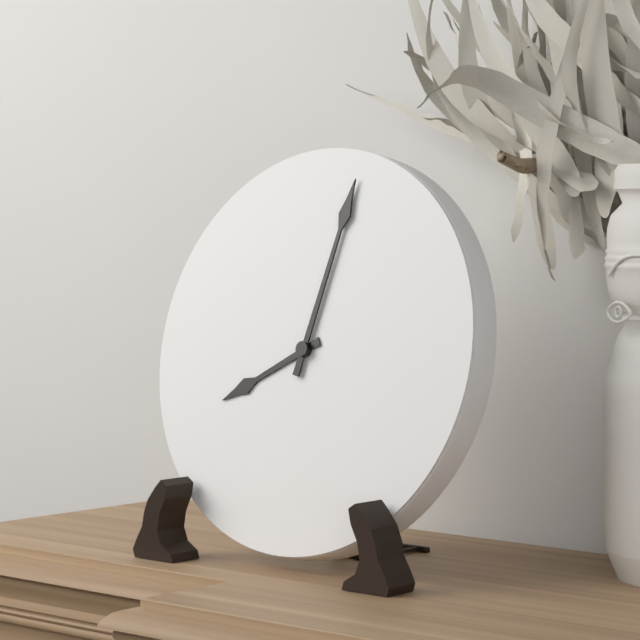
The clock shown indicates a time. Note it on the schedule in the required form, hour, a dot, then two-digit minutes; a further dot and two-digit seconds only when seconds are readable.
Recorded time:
8.02
